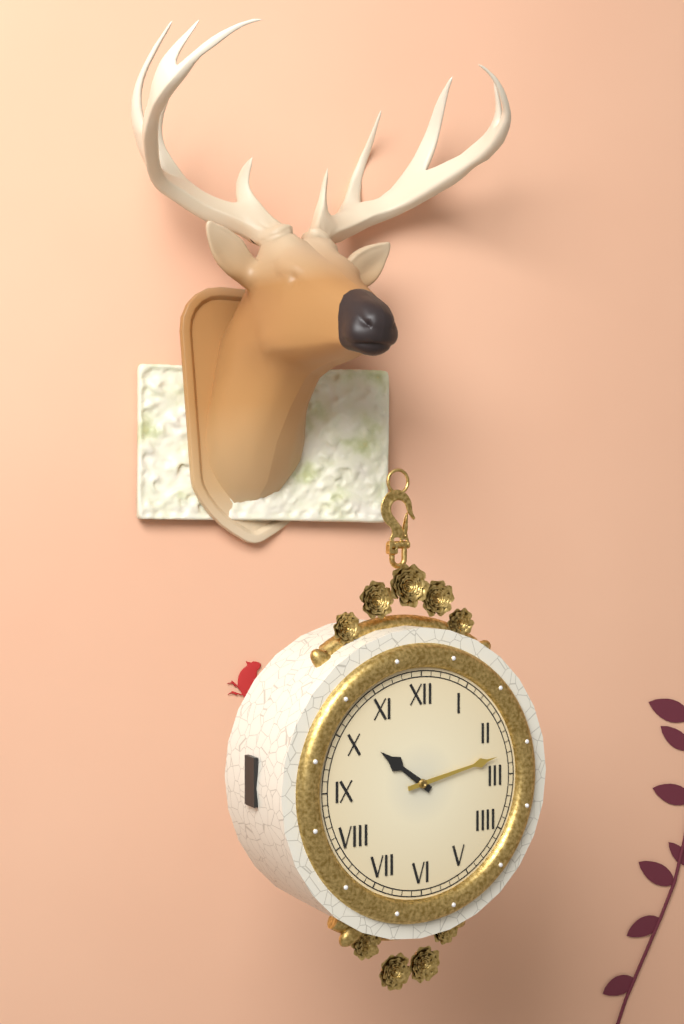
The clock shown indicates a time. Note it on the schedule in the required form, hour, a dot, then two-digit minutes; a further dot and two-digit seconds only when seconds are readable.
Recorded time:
10.13
